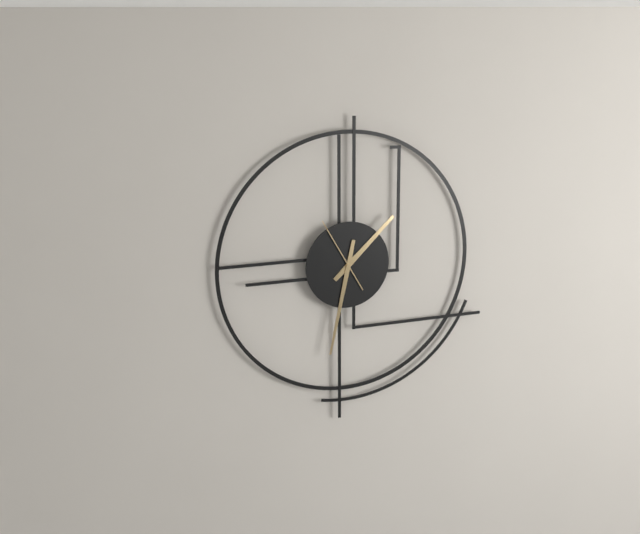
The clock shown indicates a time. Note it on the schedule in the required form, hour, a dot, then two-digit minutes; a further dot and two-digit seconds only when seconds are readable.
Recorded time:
1.32.55
